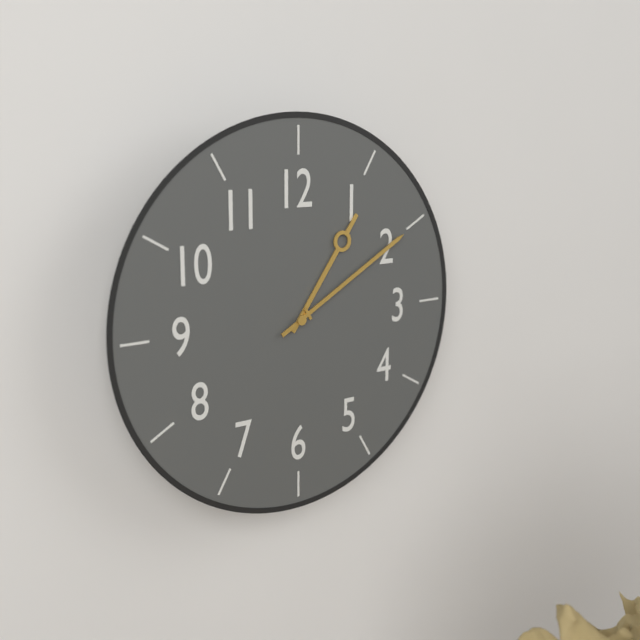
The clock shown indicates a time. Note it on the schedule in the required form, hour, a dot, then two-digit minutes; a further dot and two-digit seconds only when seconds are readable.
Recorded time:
1.10
